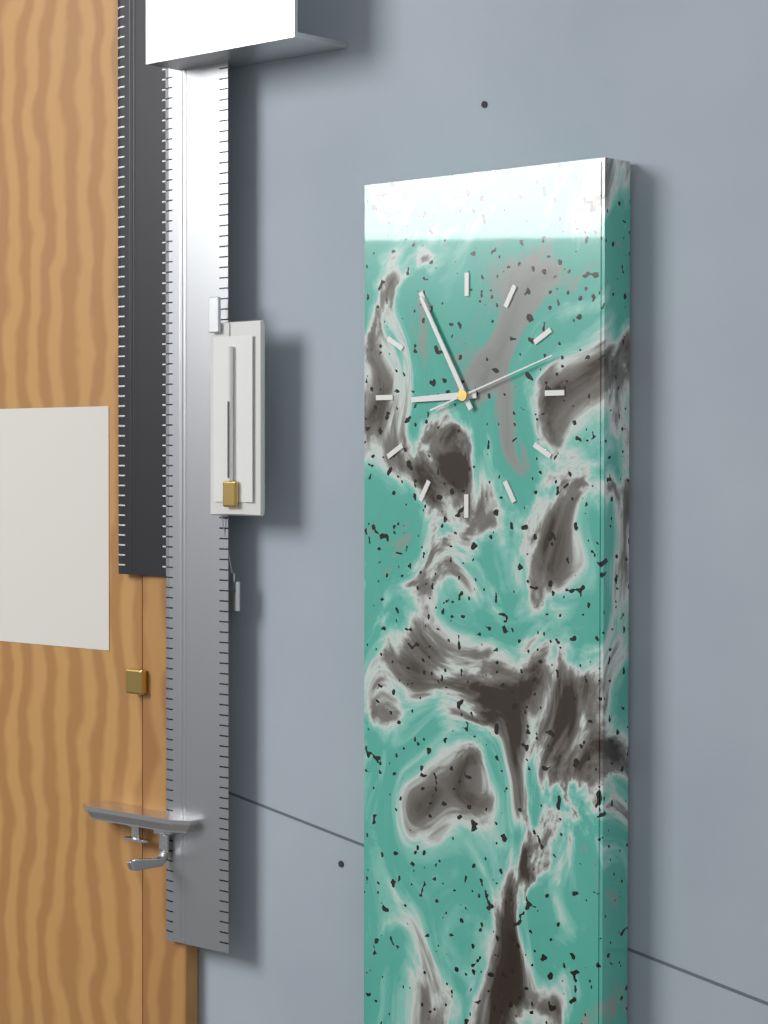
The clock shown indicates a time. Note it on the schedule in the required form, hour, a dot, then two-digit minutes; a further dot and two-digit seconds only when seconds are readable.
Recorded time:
8.55.12
